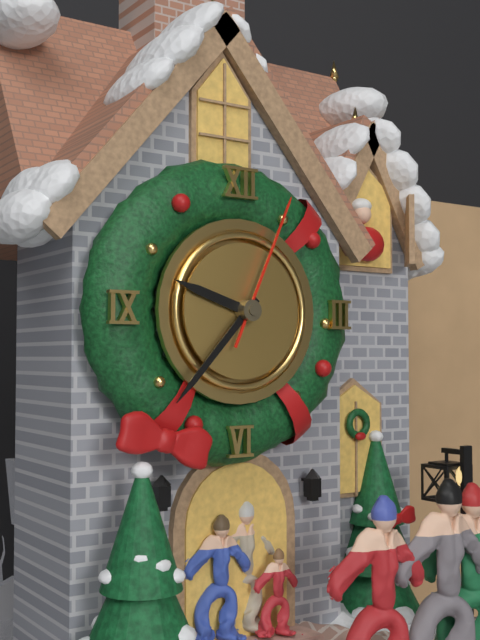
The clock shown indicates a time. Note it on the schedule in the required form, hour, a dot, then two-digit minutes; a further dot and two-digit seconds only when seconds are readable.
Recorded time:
9.37.04
